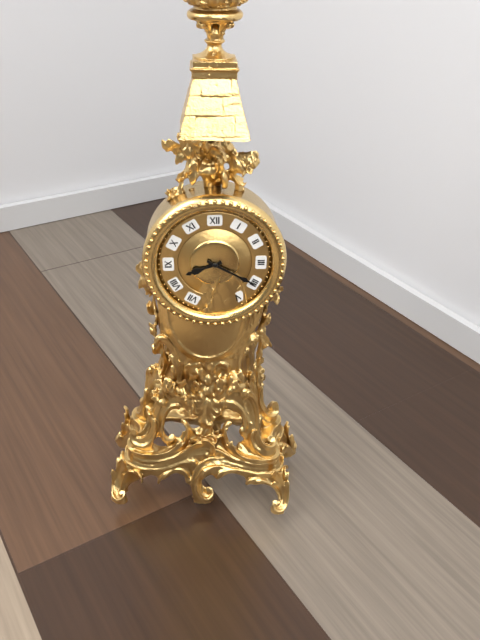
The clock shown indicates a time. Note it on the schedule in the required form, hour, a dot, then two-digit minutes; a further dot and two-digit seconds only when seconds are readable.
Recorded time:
8.20
